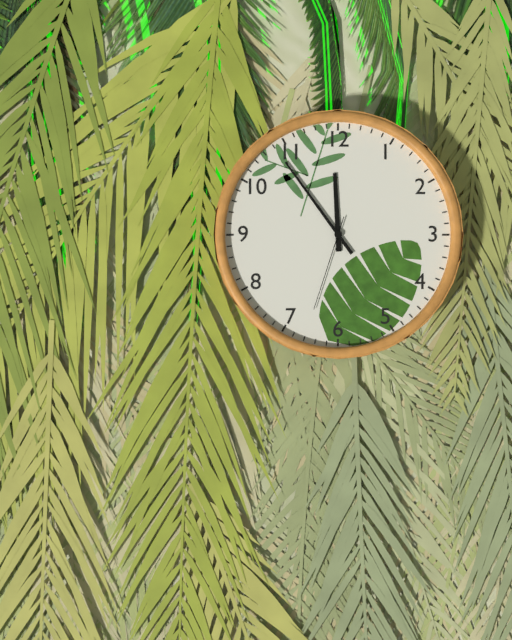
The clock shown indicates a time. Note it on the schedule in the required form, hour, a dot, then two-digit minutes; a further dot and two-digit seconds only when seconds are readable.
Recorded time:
11.54.33
